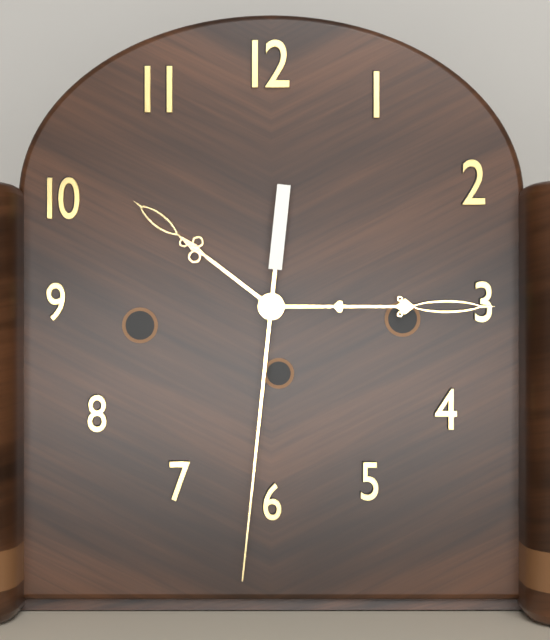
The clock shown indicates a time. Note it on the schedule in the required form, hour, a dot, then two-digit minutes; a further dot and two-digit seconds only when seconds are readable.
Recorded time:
10.15.31
